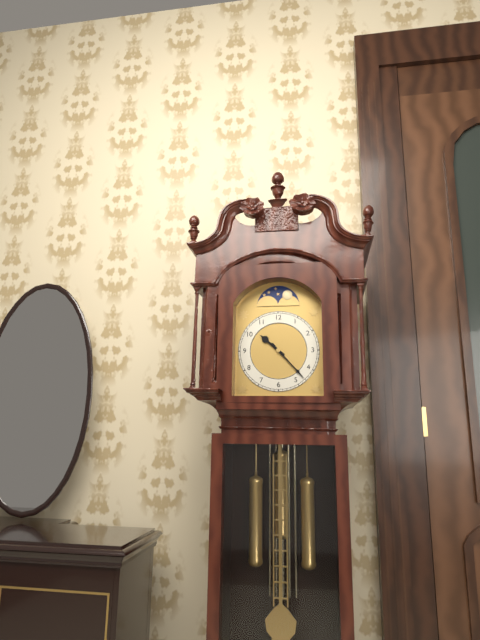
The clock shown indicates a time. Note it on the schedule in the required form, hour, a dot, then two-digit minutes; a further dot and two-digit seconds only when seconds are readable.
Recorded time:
10.23
